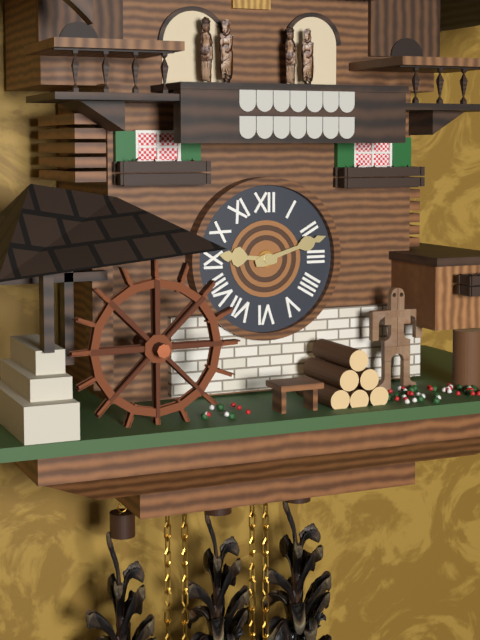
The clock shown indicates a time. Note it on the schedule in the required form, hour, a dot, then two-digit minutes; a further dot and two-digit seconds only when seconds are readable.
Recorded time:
9.12
